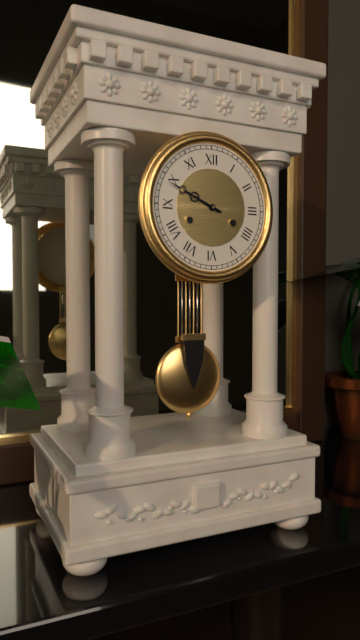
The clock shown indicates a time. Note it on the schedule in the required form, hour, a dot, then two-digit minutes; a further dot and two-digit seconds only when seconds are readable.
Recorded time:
9.49
